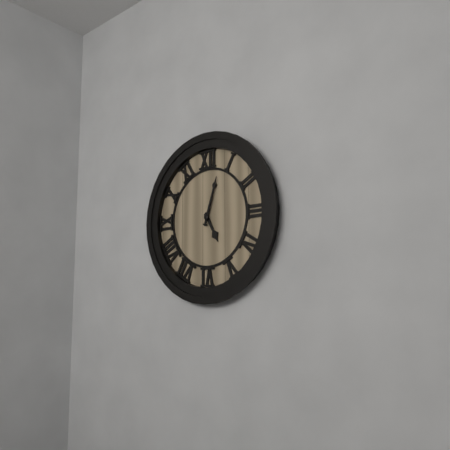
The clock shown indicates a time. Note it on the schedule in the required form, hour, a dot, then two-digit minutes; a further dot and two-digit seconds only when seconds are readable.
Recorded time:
5.03
